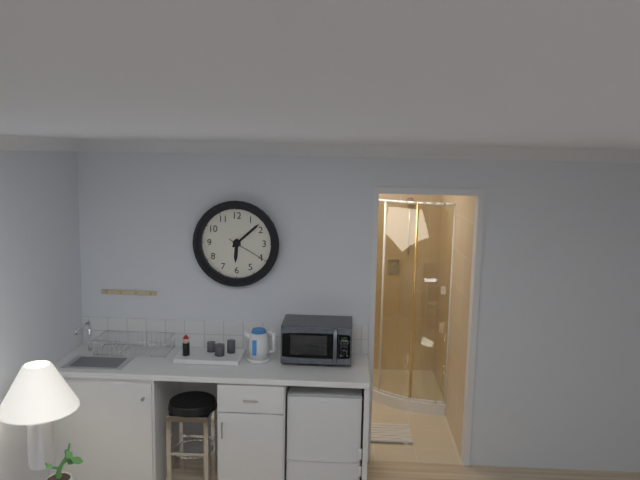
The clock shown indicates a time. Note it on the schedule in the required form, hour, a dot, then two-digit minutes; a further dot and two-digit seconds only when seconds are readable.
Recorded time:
6.08
